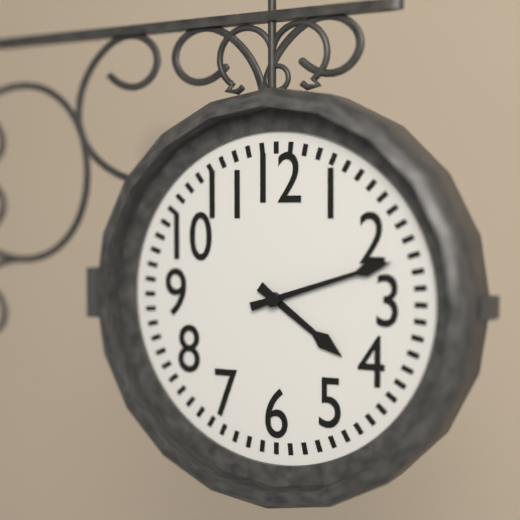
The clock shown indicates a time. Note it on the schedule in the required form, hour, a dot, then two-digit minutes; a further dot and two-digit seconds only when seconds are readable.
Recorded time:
4.12
